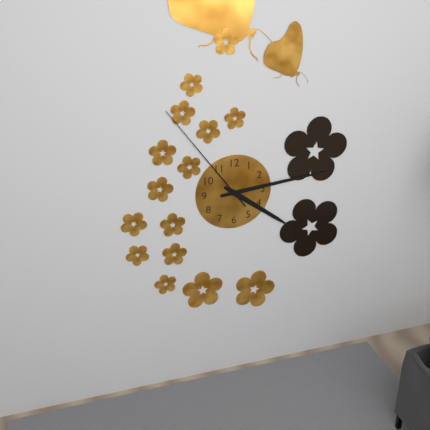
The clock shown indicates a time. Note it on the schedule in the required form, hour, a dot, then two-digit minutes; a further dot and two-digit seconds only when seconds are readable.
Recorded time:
4.14.54
